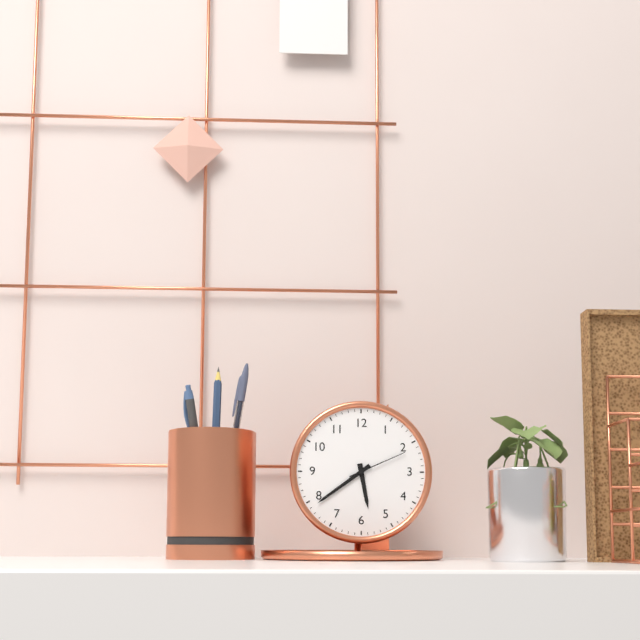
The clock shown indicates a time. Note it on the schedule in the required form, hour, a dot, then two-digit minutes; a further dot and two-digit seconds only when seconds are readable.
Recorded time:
5.39.11
